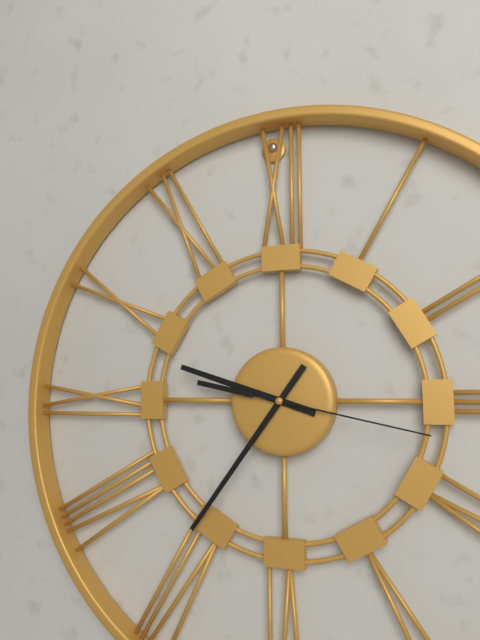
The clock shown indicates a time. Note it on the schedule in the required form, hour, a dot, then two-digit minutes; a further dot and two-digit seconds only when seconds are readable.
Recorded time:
9.36.17
